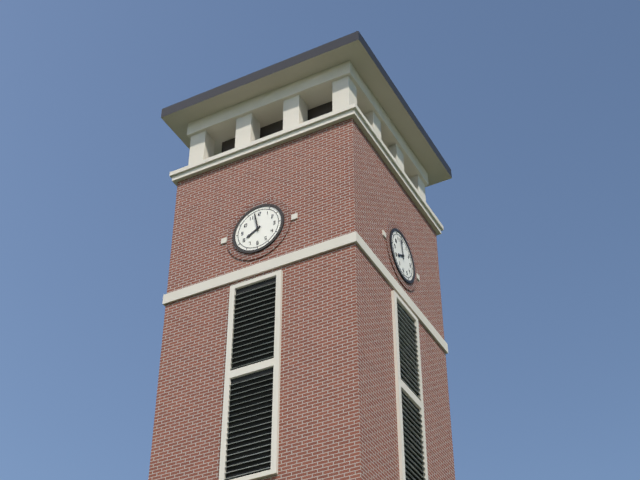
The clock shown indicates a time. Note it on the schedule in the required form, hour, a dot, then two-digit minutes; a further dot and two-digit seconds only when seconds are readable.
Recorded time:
7.58
